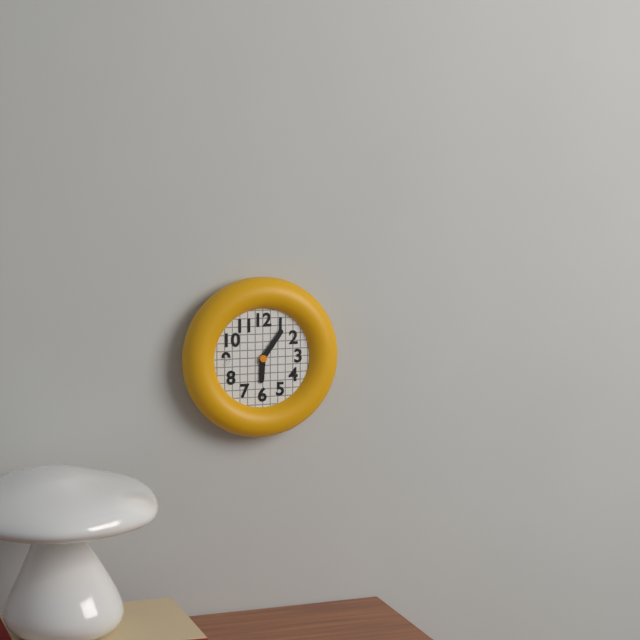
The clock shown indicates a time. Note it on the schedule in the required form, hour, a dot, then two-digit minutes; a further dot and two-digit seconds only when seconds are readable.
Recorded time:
6.06
